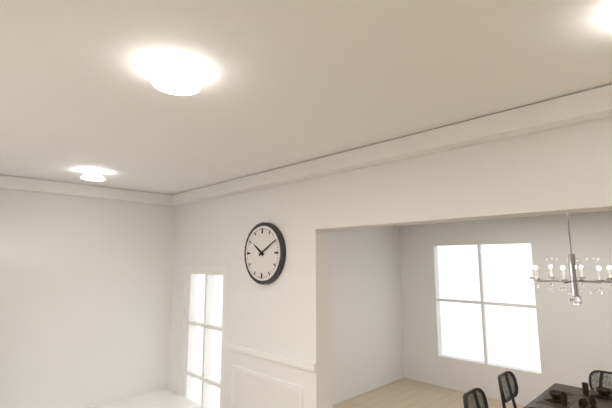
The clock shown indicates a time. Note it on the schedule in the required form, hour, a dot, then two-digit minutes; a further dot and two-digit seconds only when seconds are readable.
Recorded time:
10.10
